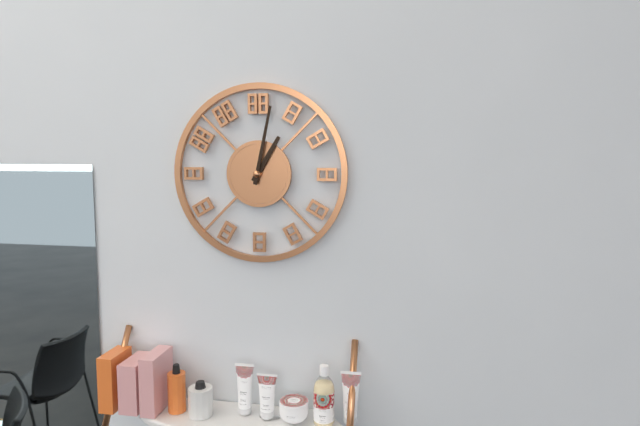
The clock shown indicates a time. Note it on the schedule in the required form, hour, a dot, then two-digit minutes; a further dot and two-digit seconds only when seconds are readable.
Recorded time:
1.02
